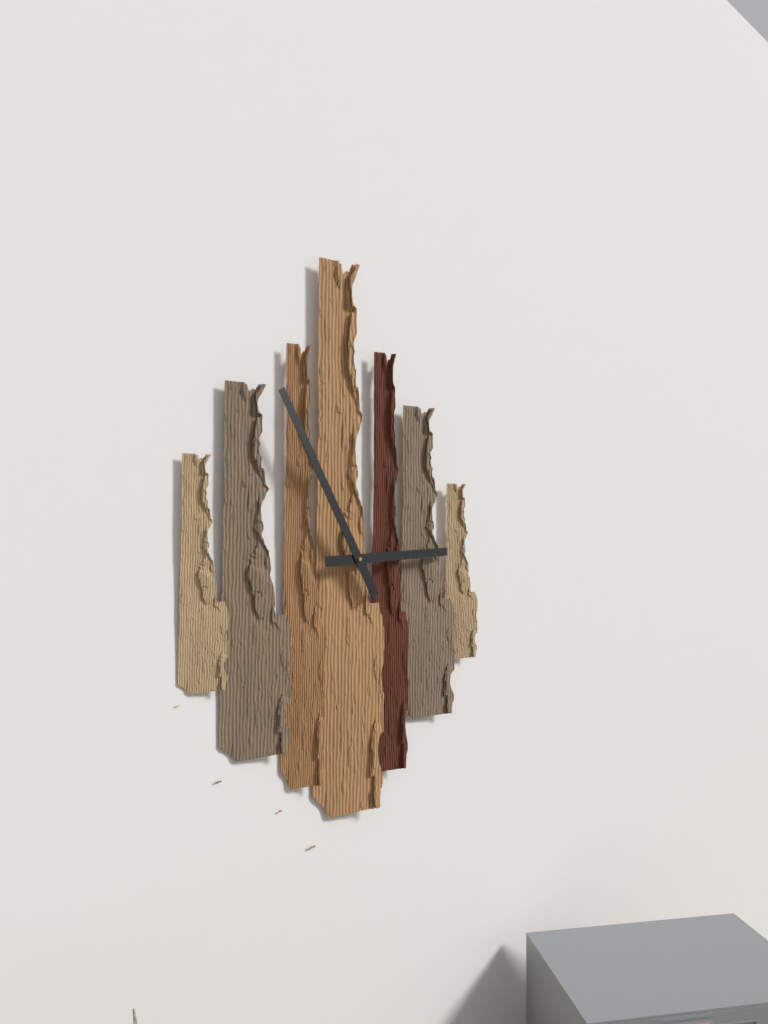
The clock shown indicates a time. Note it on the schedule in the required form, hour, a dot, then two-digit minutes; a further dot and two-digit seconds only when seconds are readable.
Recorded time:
2.55
